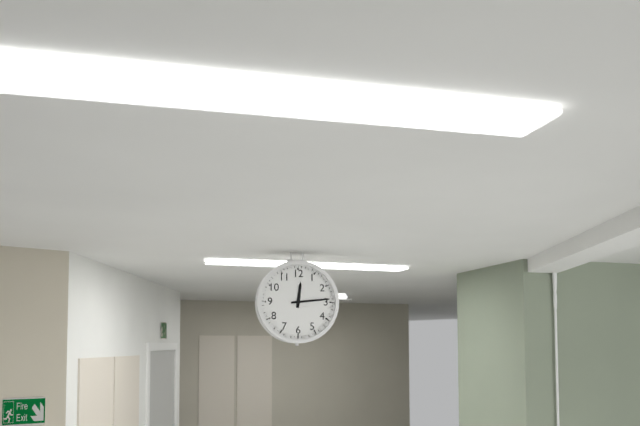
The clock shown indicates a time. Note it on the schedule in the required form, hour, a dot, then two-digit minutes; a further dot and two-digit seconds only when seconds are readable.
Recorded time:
12.14
